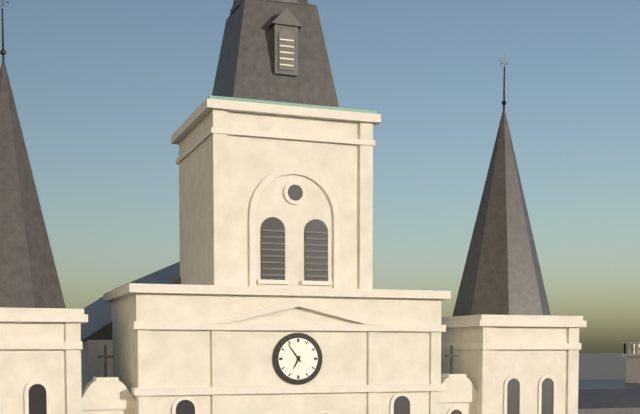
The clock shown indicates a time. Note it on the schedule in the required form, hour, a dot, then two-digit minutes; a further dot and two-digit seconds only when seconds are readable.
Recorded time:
6.54
